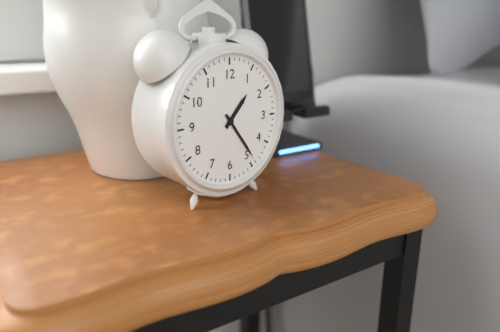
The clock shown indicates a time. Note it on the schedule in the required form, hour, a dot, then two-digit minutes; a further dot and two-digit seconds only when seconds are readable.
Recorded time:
1.24
